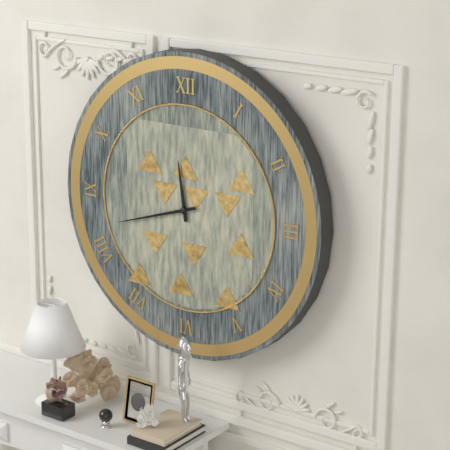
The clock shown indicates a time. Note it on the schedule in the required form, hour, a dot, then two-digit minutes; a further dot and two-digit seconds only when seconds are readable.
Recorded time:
11.42
